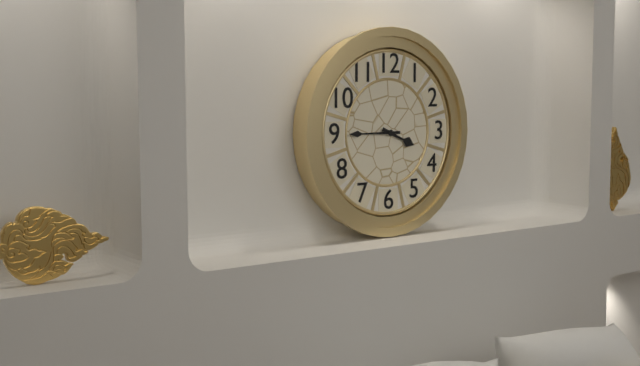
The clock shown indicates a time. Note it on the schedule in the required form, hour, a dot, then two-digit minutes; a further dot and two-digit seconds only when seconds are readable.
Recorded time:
3.45
